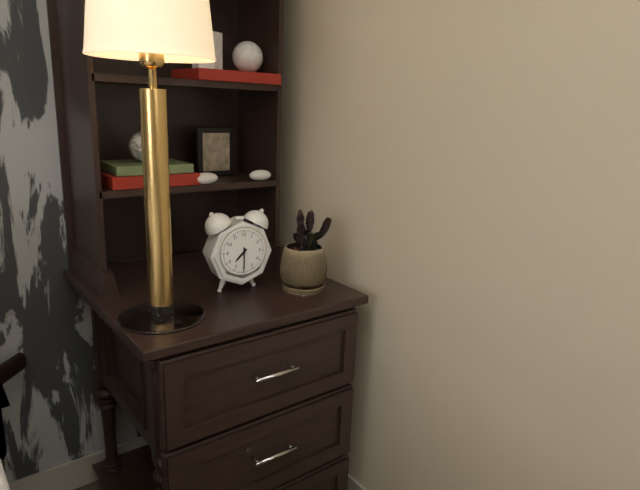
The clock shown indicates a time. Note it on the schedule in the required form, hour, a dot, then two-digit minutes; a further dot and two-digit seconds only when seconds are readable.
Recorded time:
7.30
